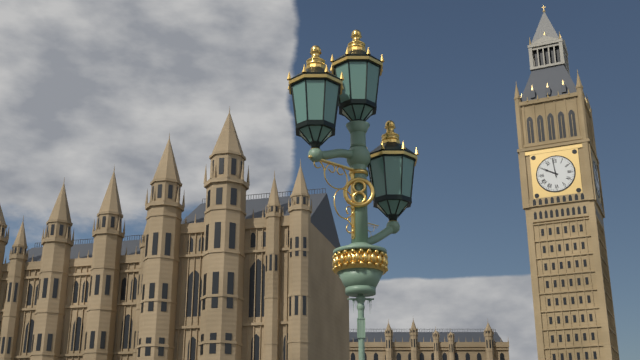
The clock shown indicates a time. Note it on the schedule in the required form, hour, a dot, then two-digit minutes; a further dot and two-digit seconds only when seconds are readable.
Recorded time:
9.59
